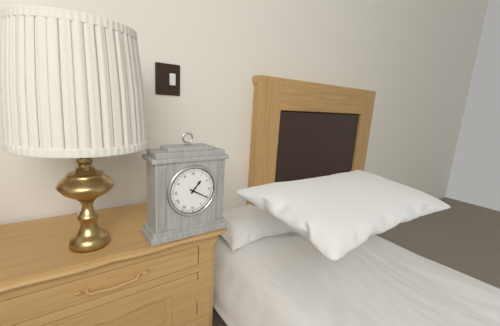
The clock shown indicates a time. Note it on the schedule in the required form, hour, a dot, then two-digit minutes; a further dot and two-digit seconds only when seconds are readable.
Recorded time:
1.20
